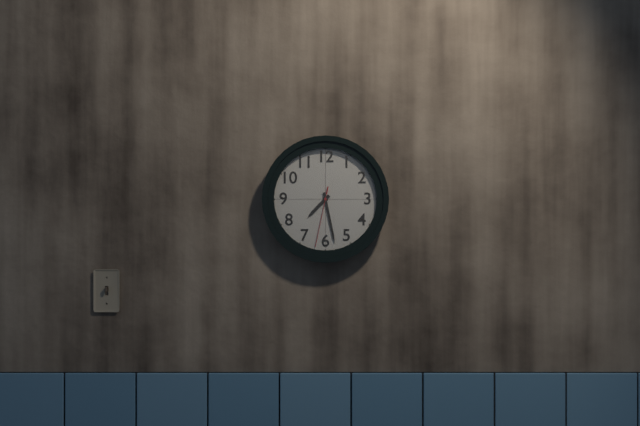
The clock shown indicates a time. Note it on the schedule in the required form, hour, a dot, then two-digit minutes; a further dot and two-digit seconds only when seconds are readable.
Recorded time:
7.28.32
